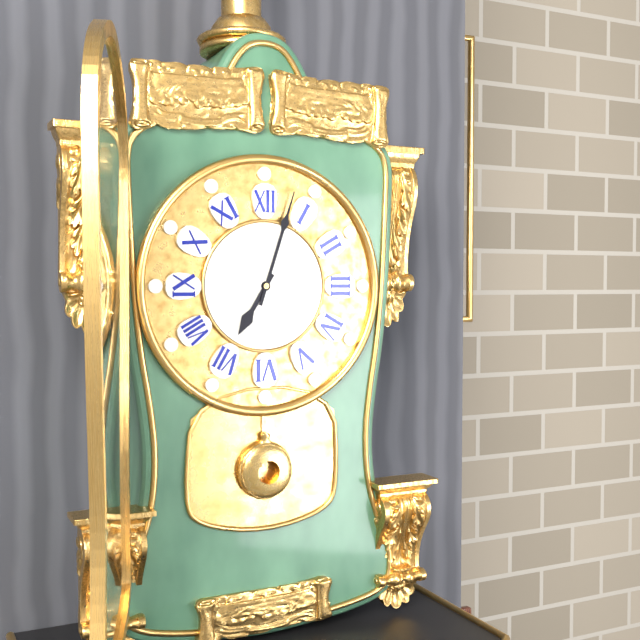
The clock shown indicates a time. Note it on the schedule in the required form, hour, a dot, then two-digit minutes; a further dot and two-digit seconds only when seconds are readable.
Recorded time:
7.03
